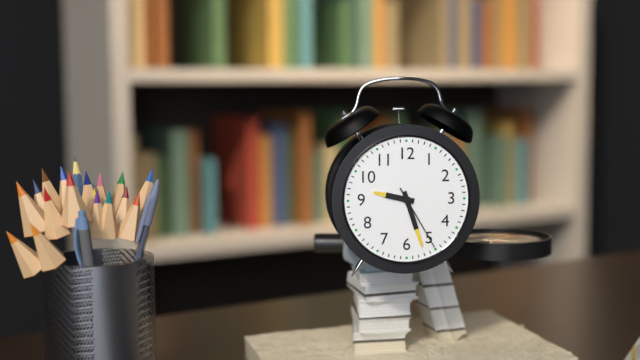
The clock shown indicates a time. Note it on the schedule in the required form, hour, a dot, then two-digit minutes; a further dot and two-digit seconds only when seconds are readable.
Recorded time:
9.27.25
